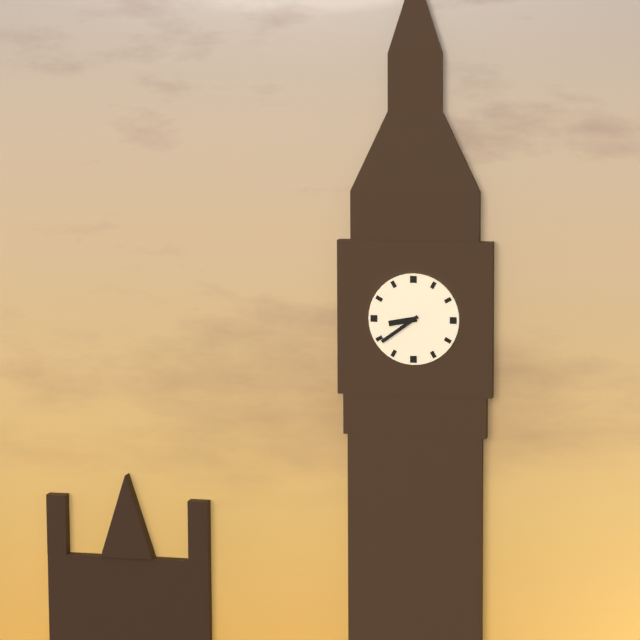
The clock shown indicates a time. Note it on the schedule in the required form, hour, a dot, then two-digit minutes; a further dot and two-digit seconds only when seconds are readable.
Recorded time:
8.39
